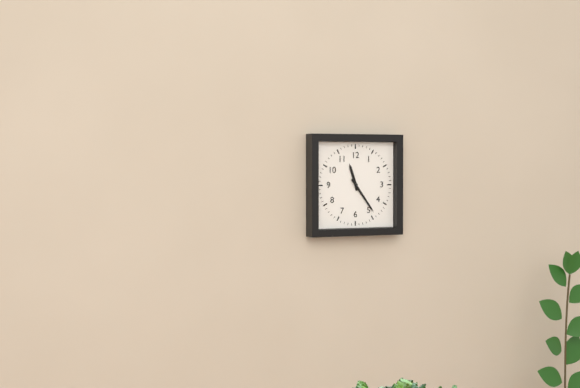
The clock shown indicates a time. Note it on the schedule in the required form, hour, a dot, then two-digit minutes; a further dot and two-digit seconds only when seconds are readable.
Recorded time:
11.24
